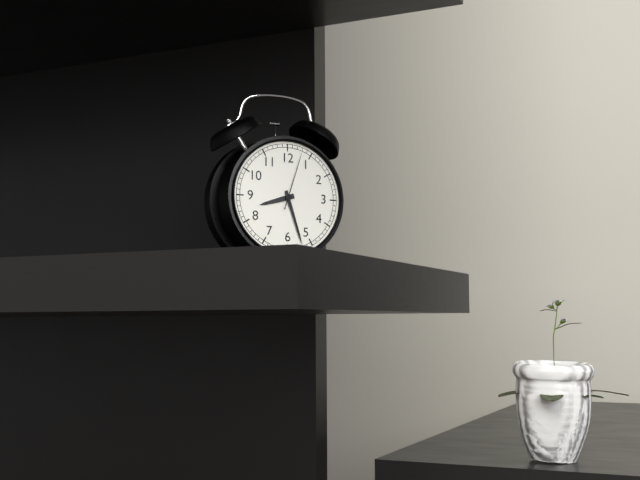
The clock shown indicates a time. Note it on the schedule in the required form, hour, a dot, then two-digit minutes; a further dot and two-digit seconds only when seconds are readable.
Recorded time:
8.27.03
